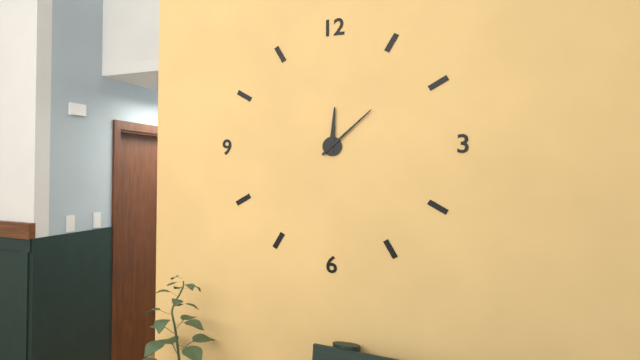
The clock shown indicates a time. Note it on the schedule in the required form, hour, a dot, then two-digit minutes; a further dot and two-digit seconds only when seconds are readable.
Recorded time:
12.08
